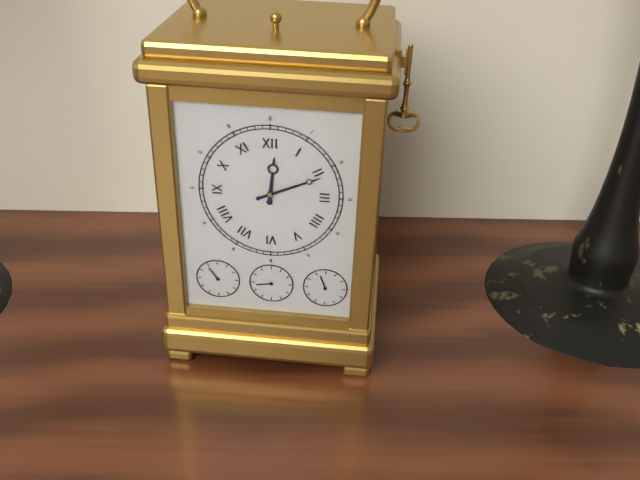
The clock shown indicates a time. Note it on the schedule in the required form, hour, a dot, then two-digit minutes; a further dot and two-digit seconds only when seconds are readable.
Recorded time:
12.11
